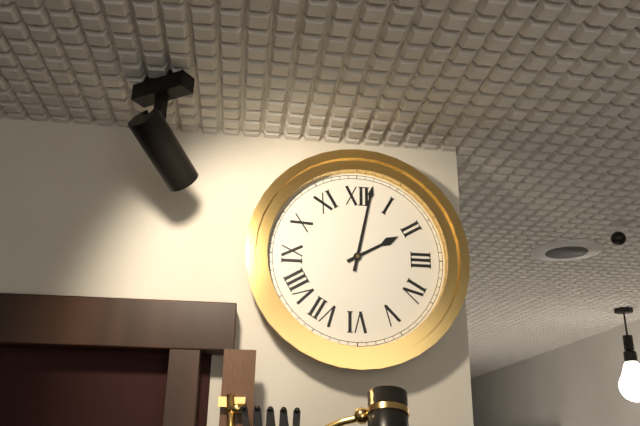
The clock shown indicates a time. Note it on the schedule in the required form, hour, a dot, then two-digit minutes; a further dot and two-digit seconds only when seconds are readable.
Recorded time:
2.02
